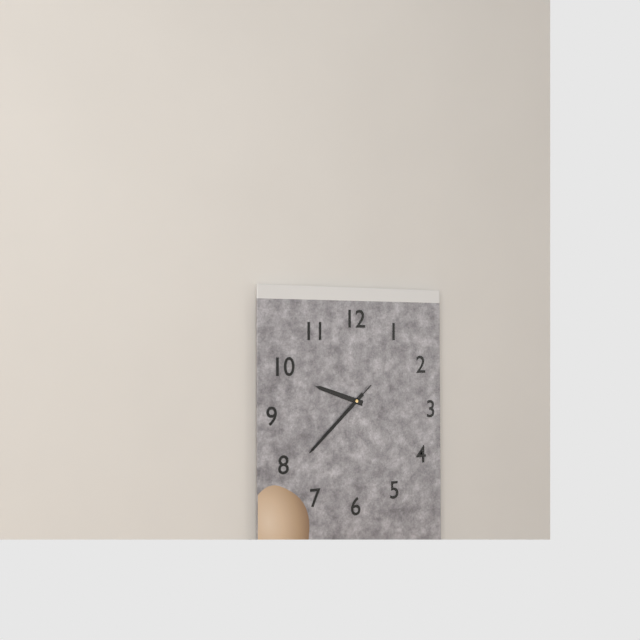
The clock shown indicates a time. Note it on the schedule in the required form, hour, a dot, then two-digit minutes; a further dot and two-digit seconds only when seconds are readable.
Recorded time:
9.38.38
